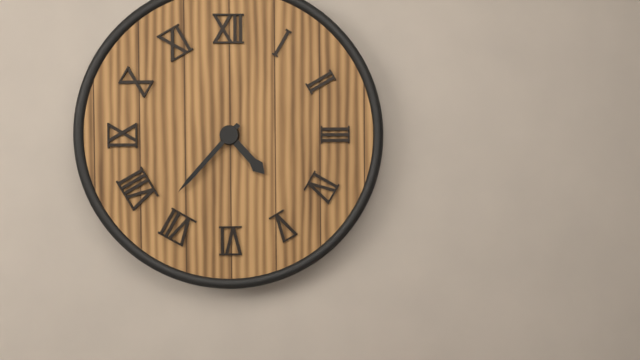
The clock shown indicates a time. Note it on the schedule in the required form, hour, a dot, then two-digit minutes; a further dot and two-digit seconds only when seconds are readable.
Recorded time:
4.37
